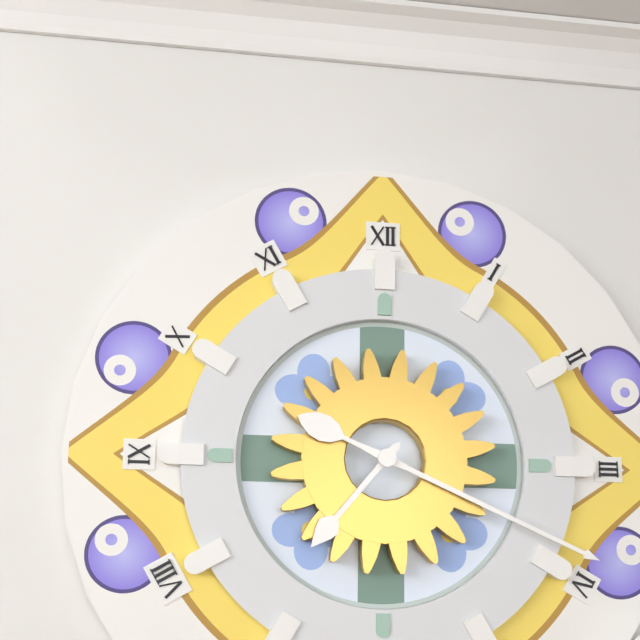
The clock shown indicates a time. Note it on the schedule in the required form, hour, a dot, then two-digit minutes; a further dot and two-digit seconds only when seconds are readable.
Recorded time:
7.19
